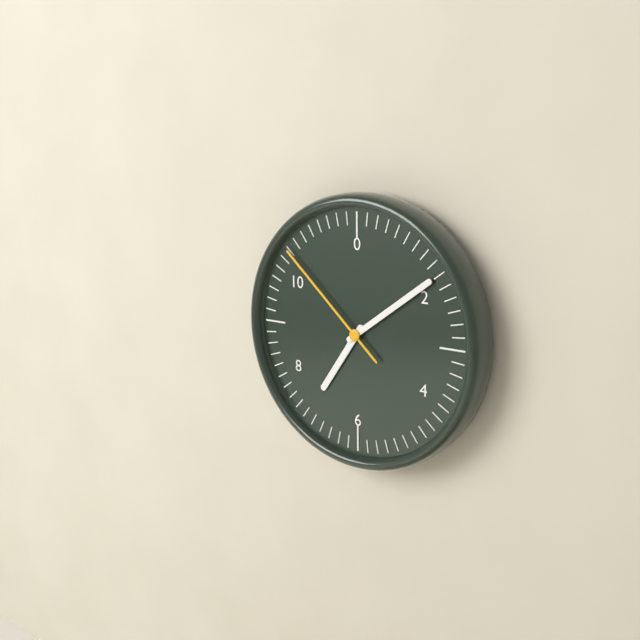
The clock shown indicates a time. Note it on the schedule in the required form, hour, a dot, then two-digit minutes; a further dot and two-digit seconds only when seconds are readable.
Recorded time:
7.09.52
